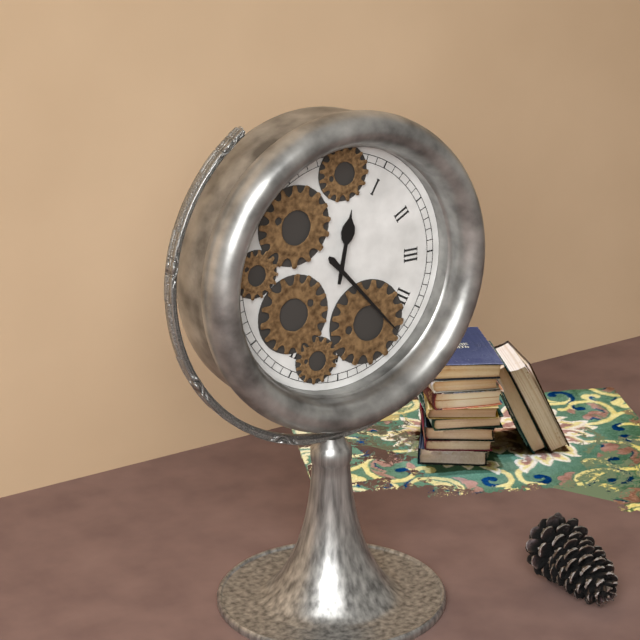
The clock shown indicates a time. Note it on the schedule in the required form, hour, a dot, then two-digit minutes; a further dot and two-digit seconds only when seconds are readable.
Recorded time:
12.23
